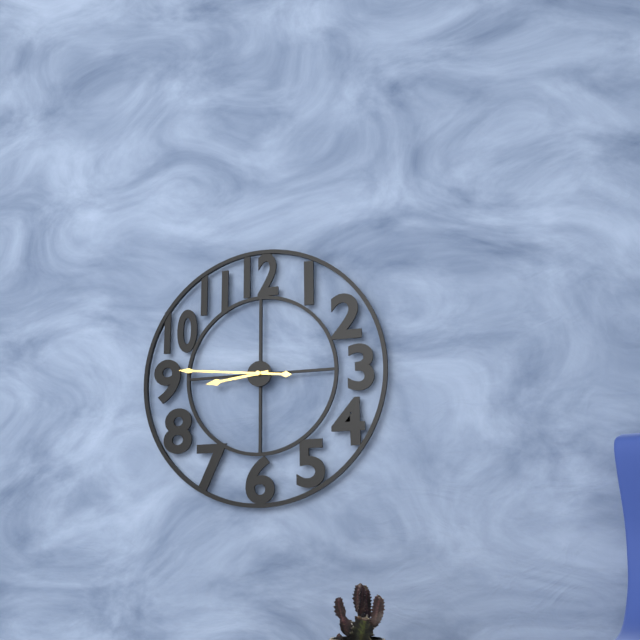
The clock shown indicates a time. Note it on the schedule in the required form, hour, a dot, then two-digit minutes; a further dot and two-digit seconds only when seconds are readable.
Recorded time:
8.46
